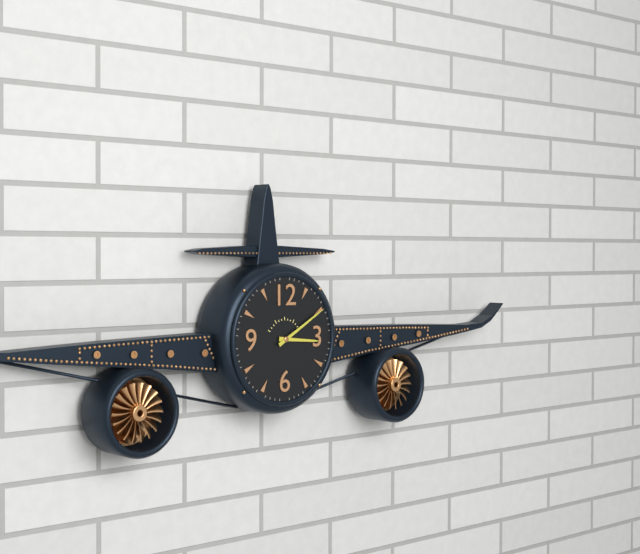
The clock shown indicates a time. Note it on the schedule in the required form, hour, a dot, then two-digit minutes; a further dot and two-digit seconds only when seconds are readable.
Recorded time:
3.10
